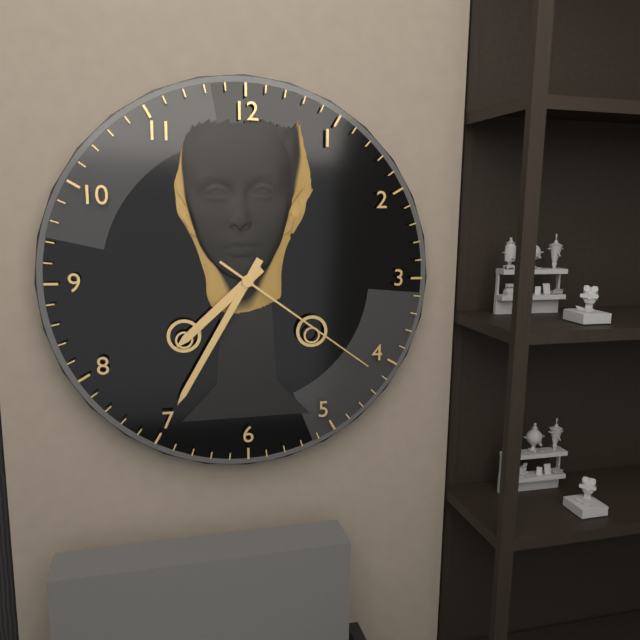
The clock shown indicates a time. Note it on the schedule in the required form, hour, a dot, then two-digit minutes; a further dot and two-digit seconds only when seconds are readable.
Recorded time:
7.35.21
